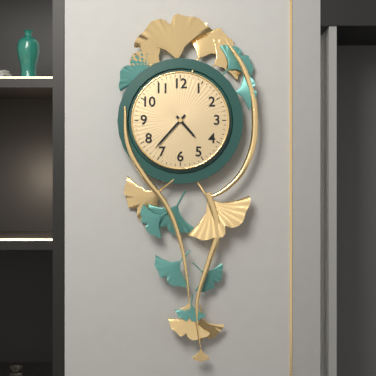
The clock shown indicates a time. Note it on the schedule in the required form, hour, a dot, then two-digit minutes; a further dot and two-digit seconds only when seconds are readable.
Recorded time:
4.37
